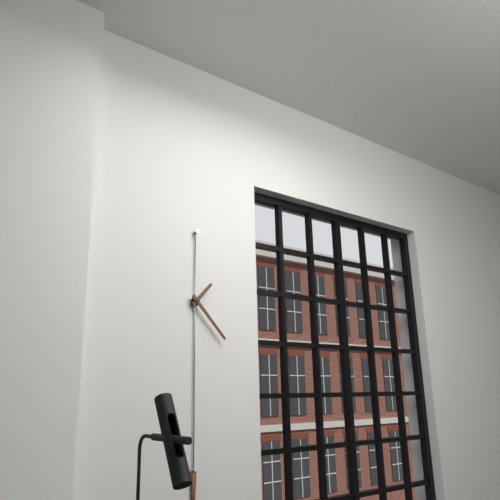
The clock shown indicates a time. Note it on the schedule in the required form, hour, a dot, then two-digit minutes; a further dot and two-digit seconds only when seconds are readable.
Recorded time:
1.23
